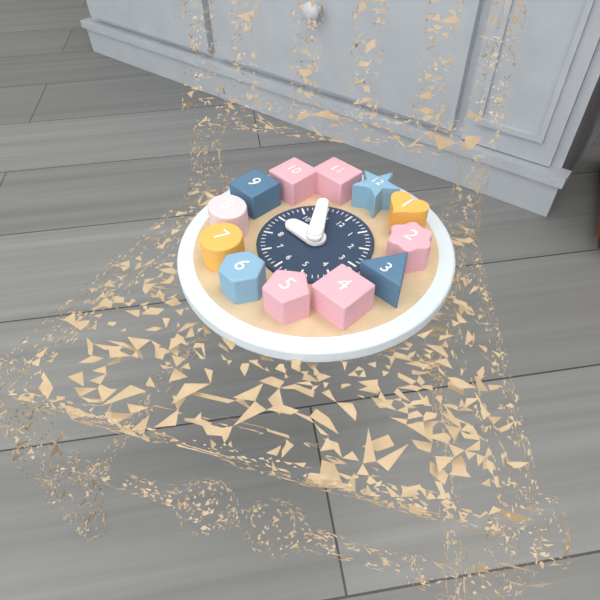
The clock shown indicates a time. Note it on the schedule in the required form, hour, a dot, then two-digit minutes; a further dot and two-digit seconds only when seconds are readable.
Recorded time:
8.54
